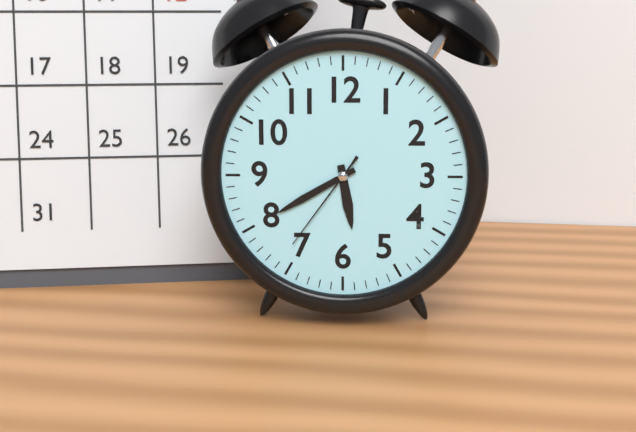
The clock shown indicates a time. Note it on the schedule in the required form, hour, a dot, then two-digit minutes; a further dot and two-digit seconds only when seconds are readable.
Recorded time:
5.40.36
